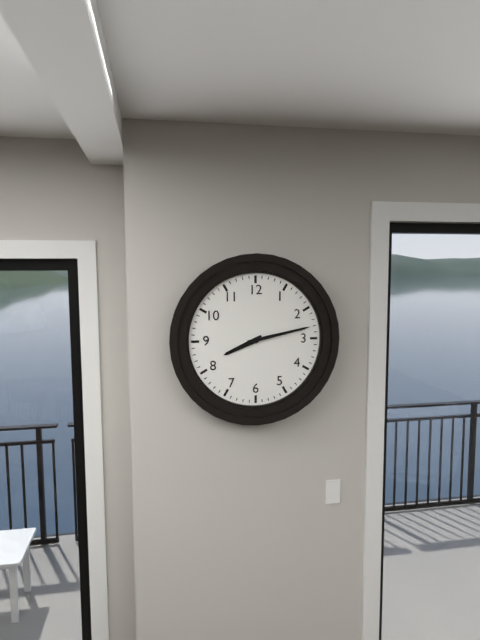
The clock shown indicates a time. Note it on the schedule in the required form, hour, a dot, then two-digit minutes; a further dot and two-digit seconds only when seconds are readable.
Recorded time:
8.13
